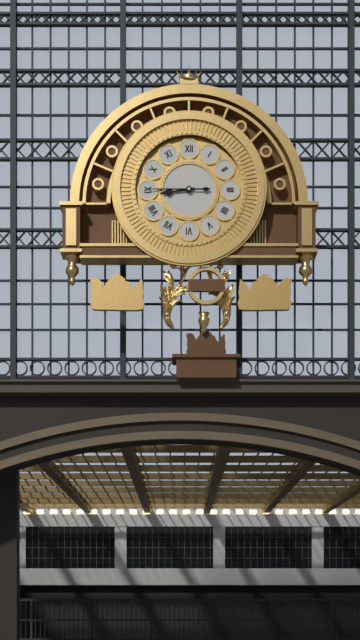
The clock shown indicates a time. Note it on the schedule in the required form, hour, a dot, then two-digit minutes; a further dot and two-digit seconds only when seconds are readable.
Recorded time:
8.45
